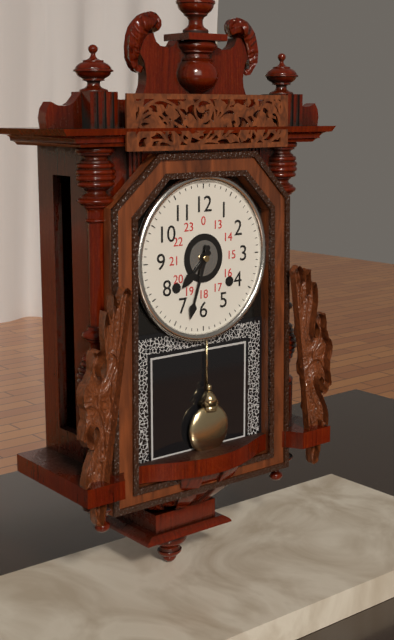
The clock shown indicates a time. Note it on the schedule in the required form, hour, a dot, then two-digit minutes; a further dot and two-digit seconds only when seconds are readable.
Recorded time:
7.33
